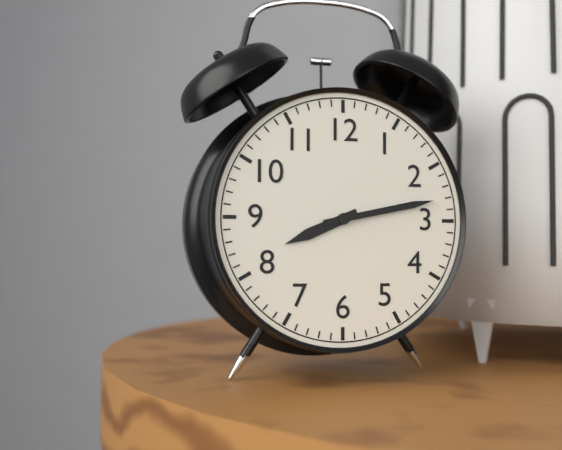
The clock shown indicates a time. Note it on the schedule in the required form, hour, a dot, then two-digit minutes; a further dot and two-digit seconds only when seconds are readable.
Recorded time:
8.13
